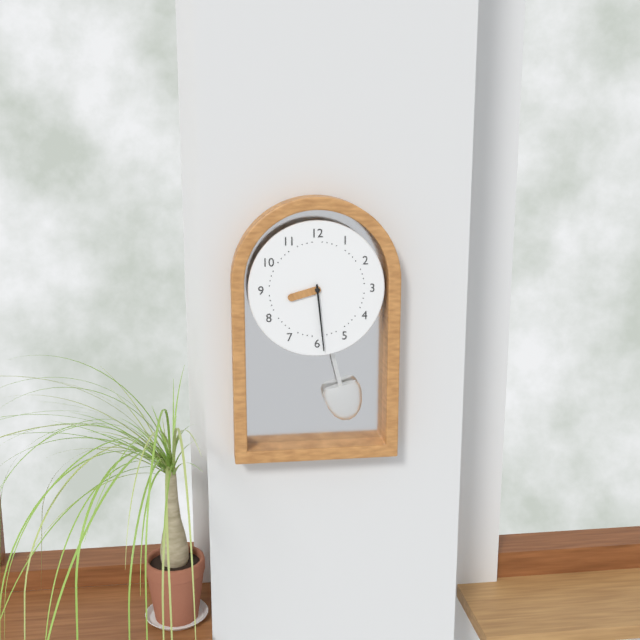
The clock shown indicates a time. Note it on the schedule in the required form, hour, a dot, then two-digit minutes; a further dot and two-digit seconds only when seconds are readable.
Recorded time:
8.29
